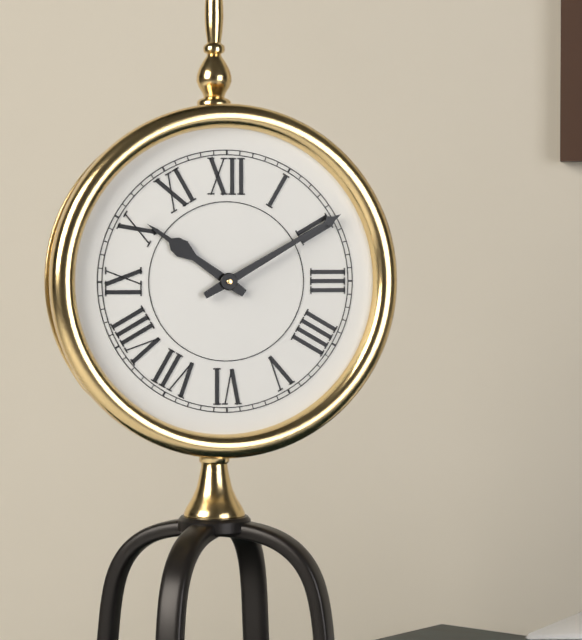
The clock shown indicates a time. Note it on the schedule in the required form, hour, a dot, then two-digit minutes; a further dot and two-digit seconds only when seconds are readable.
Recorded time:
10.10
